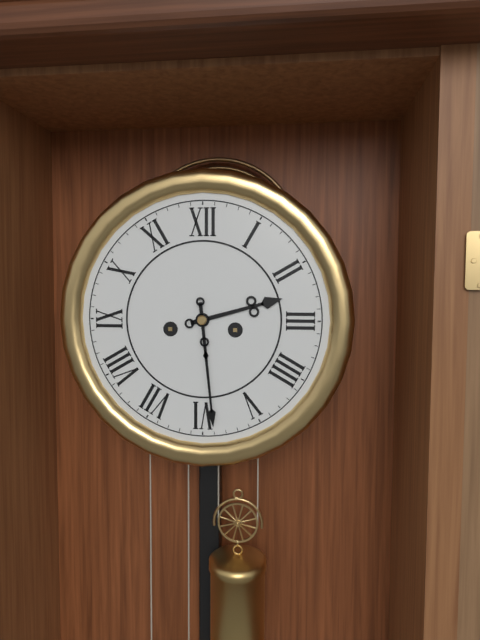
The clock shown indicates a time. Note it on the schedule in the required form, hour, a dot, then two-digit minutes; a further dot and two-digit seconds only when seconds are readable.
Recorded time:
2.29
